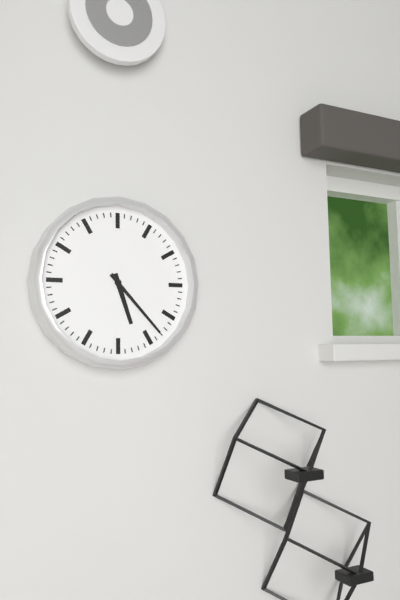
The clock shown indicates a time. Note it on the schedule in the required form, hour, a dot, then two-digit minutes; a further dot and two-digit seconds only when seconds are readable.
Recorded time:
5.23
